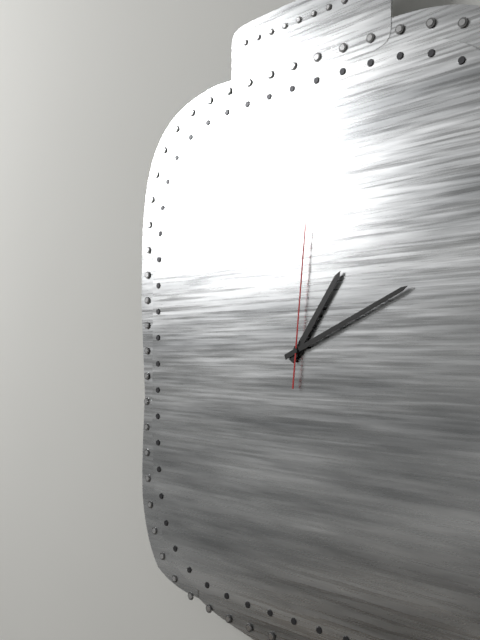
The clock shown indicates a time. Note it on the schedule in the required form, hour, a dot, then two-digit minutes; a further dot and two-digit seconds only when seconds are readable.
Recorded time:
1.11.01
